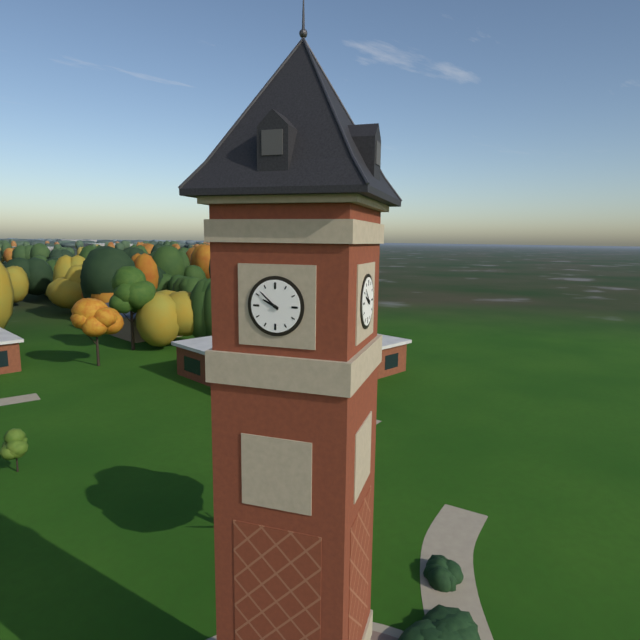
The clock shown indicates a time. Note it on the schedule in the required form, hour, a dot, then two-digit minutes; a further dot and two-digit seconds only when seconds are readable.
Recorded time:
9.52
